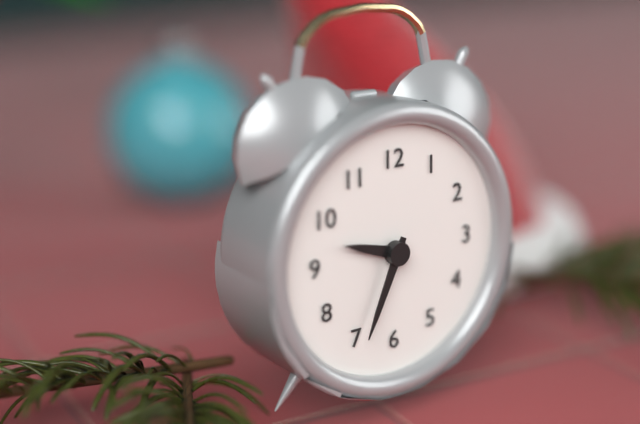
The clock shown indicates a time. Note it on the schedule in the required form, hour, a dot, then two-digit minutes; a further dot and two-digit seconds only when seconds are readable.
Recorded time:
9.34
